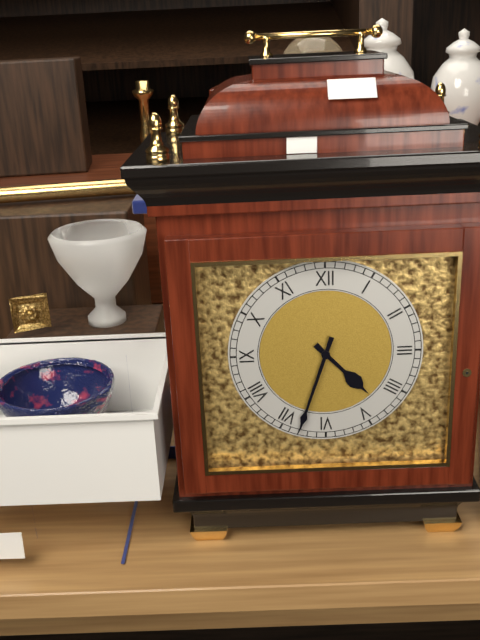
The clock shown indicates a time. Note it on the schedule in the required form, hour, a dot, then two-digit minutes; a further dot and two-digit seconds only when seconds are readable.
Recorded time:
4.33
